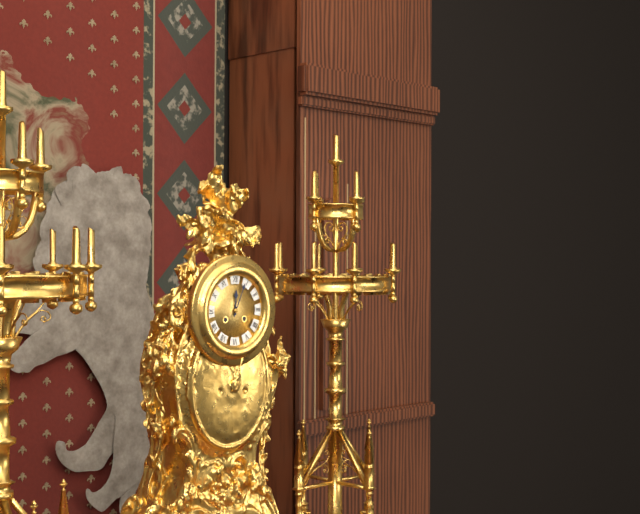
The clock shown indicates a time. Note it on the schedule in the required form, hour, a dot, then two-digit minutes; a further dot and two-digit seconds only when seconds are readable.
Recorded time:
12.04
